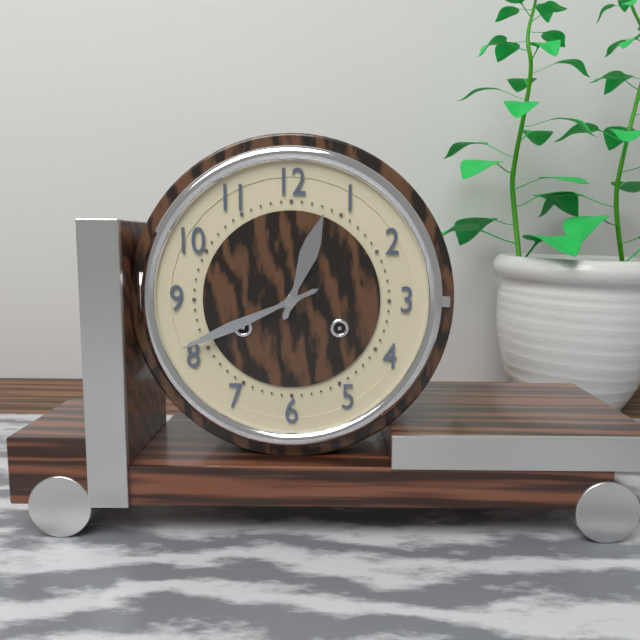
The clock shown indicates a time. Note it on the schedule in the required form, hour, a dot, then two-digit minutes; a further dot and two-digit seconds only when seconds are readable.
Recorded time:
12.41
